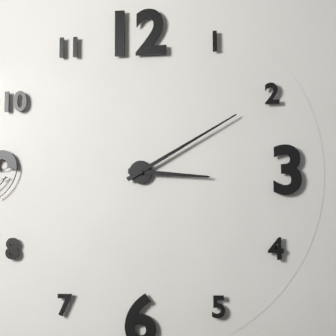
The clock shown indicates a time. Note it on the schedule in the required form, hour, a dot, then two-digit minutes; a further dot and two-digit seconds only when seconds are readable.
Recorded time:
3.10
